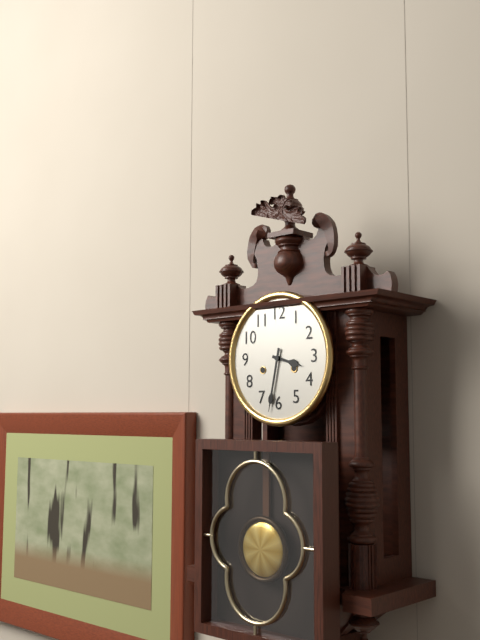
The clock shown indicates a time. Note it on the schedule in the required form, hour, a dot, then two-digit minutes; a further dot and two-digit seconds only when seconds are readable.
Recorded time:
3.32
